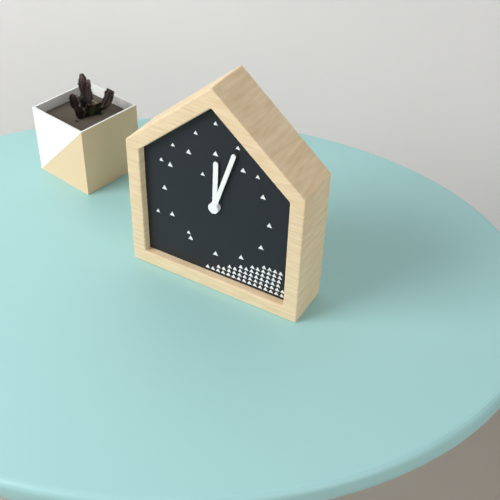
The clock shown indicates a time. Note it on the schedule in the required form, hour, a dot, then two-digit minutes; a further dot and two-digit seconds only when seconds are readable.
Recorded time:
12.03
